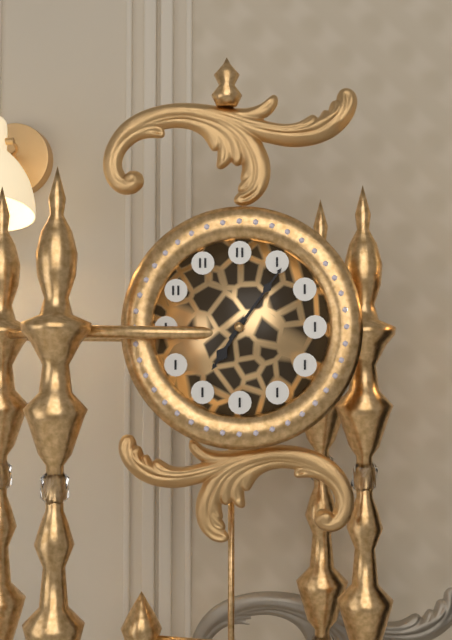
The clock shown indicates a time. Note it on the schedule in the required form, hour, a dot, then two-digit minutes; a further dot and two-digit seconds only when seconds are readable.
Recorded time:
7.06
